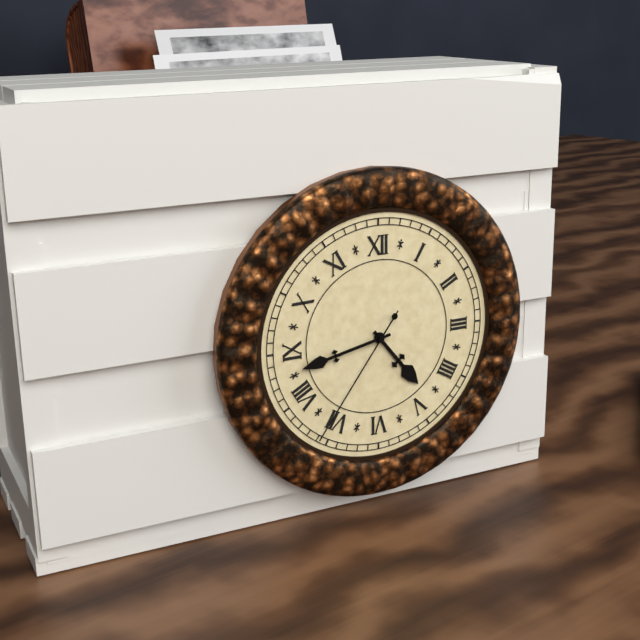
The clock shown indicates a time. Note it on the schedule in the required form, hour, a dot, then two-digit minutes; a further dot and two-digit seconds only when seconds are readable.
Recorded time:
4.43.36
